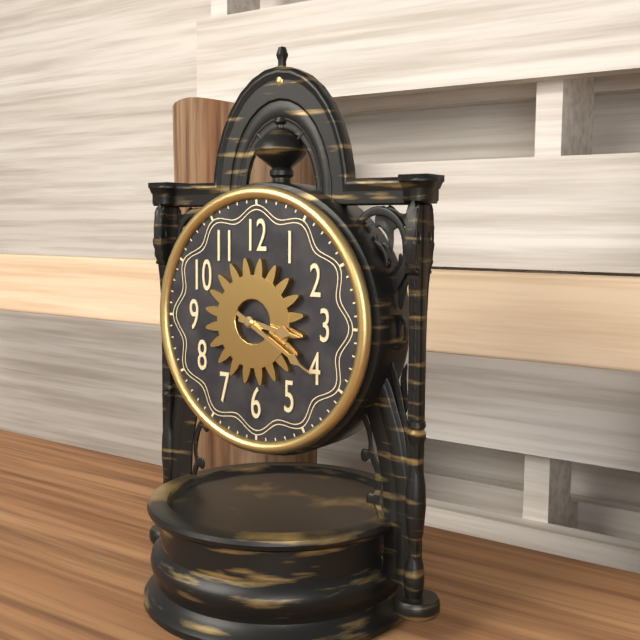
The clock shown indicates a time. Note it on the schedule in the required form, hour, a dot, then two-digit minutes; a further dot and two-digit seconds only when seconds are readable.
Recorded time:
3.20
